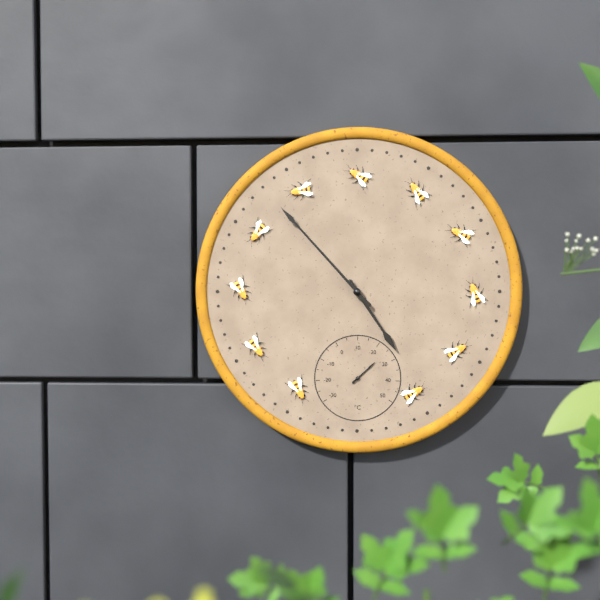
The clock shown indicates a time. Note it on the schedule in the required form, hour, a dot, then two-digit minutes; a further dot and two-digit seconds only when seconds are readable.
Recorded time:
4.53
